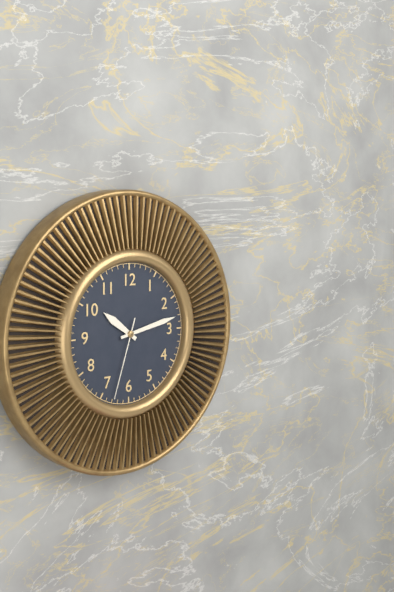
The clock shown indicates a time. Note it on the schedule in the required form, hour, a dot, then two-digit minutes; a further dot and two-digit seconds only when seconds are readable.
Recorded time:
10.13.33
